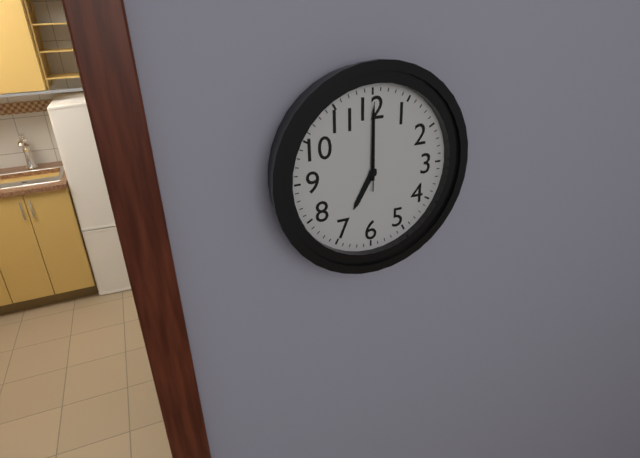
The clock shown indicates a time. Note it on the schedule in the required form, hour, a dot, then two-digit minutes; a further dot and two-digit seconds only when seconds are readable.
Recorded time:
7.00.00
